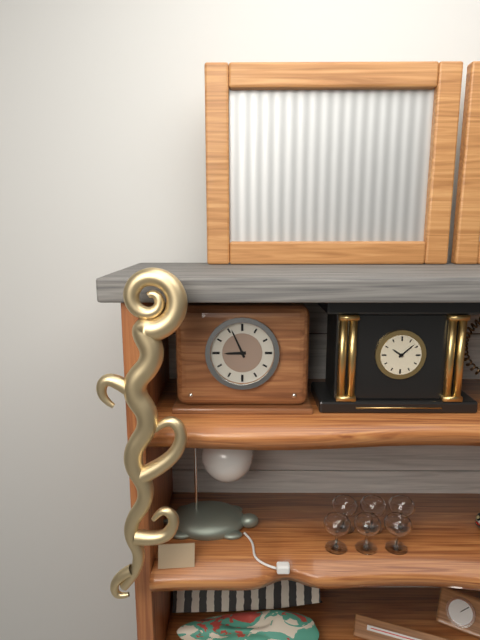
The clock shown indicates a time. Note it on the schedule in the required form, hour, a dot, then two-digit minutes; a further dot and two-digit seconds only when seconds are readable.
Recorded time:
8.56
